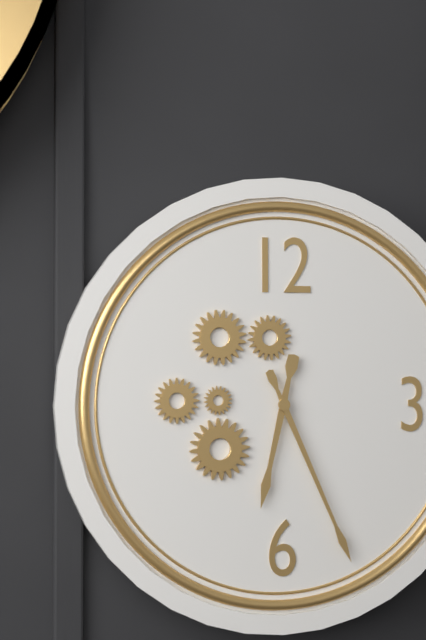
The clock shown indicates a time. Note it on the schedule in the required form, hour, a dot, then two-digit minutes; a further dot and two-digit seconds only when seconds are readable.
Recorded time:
6.26
